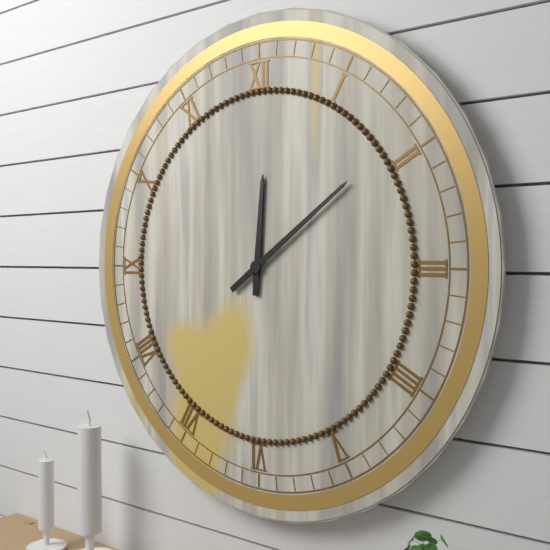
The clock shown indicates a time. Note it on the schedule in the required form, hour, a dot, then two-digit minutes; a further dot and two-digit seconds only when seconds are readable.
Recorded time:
12.09
